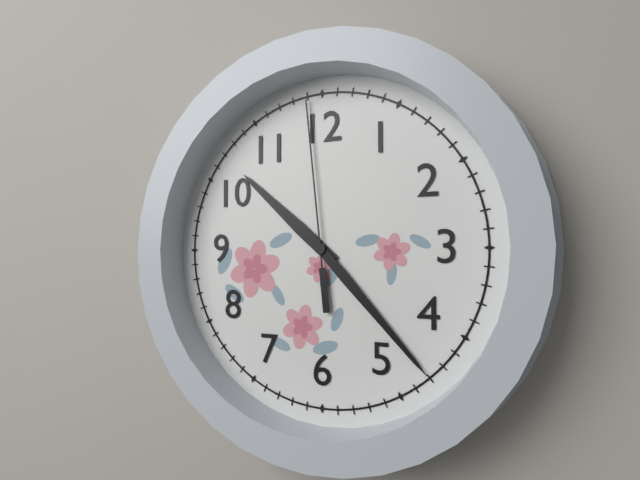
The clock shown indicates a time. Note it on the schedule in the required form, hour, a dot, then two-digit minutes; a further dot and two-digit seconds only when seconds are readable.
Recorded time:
10.23.59
